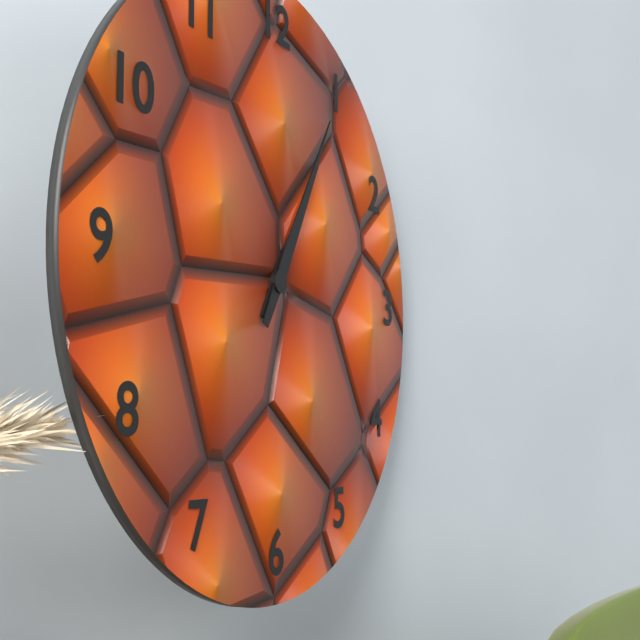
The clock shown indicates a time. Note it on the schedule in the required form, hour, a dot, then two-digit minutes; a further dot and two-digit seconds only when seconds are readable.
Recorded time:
1.05
